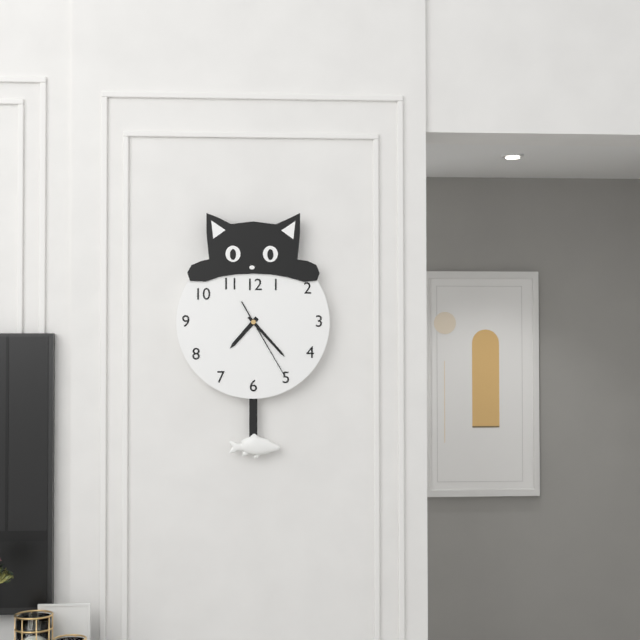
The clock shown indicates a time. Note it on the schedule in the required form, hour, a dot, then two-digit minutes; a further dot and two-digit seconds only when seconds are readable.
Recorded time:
7.23.25
